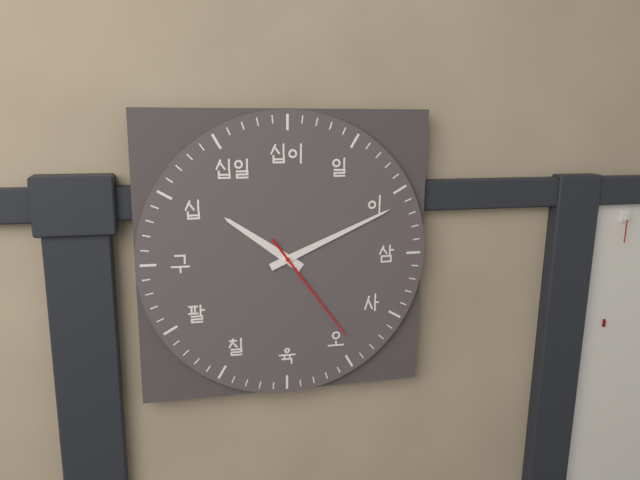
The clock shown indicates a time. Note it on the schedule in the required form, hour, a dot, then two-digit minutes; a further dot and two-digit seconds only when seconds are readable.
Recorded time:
10.11.24
